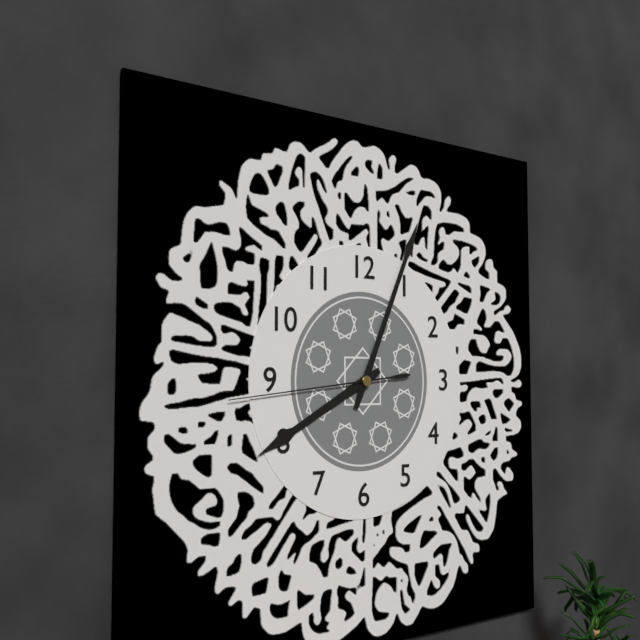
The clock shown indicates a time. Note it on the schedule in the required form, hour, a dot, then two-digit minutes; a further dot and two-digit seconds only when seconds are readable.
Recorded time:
8.04.44
